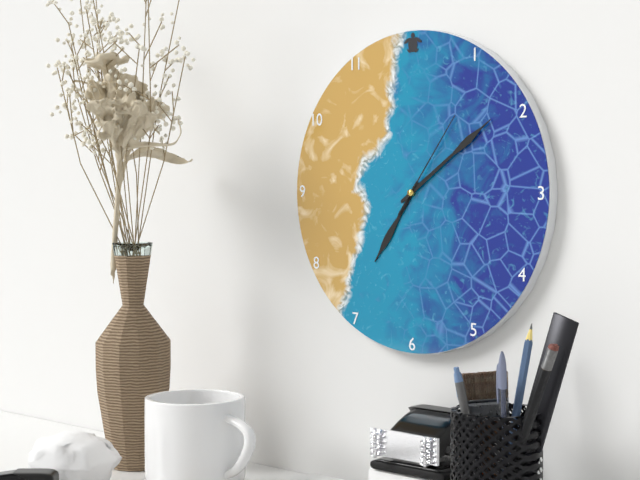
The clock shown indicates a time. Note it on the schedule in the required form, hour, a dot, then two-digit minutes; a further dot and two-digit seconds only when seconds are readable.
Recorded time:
7.09.06
